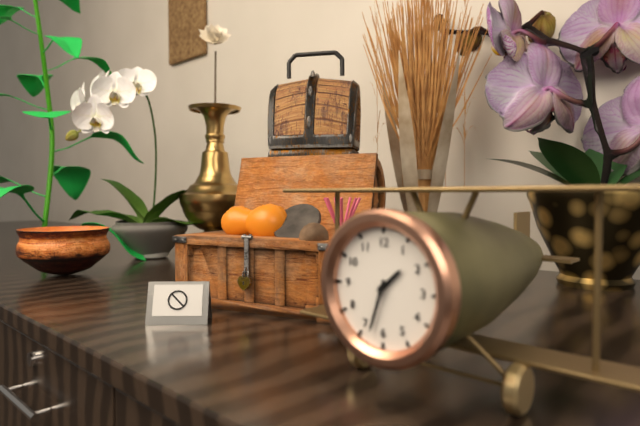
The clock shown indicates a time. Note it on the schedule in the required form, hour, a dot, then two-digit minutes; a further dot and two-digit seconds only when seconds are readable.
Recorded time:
1.33
